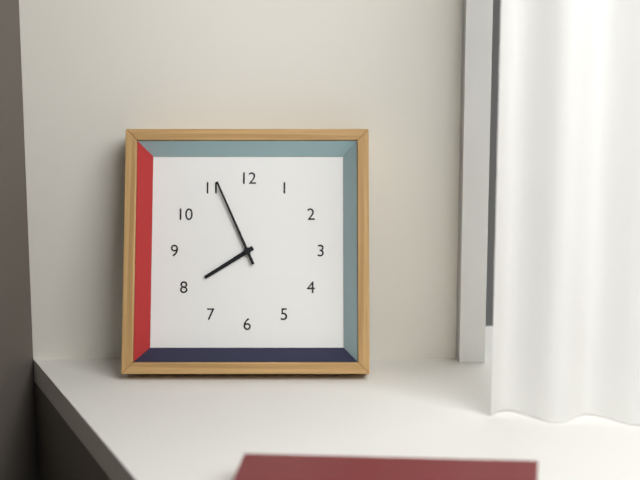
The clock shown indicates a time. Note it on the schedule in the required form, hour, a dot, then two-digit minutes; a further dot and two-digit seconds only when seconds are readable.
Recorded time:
7.56
